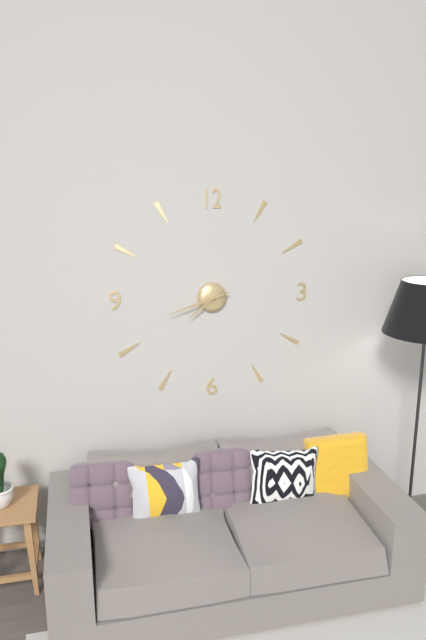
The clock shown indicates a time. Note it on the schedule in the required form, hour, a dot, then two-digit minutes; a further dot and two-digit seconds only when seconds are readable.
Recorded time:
7.42
